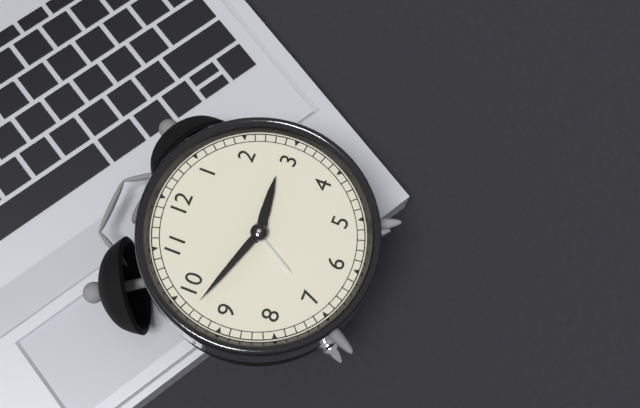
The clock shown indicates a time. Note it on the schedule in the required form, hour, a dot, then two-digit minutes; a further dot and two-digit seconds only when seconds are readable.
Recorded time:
2.48
